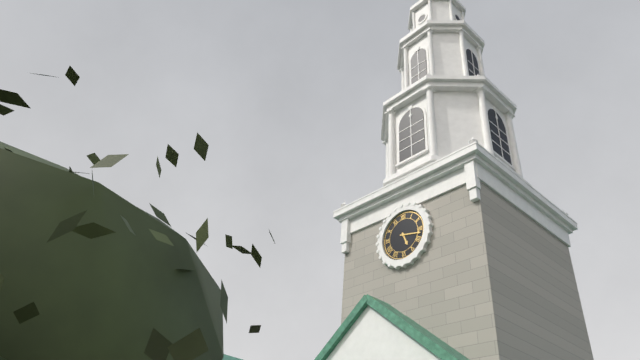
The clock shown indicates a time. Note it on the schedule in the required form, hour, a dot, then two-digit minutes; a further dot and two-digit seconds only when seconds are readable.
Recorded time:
5.17
